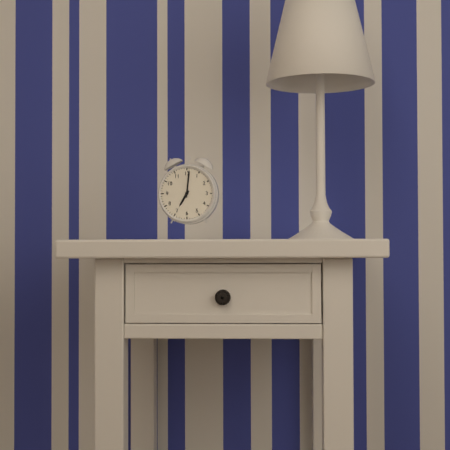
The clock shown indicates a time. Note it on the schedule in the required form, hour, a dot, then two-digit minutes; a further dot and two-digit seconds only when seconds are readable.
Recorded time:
7.01
